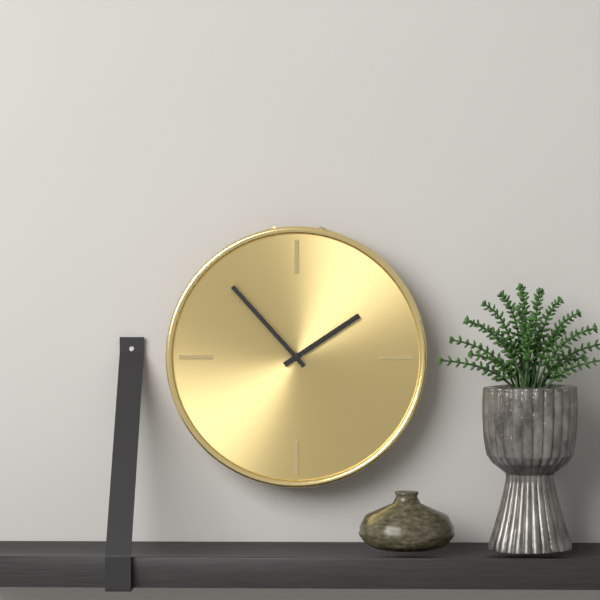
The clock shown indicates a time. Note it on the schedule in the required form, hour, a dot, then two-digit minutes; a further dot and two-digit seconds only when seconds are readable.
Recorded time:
1.53
